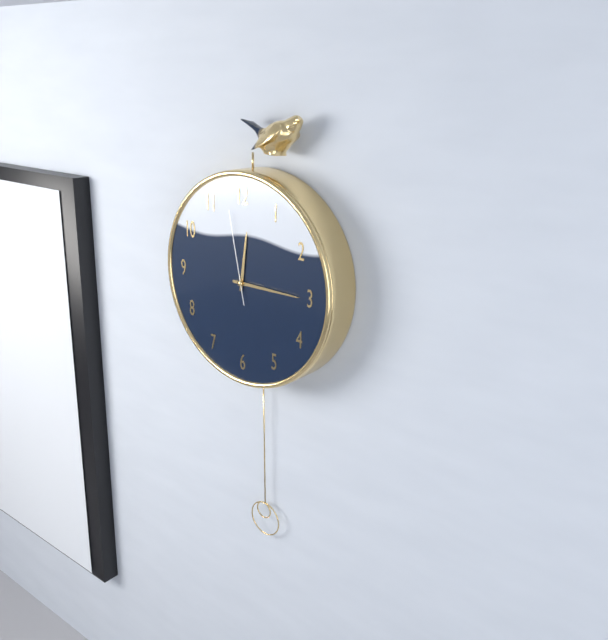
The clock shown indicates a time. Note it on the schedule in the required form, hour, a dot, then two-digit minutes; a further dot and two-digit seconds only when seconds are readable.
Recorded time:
12.15.58
